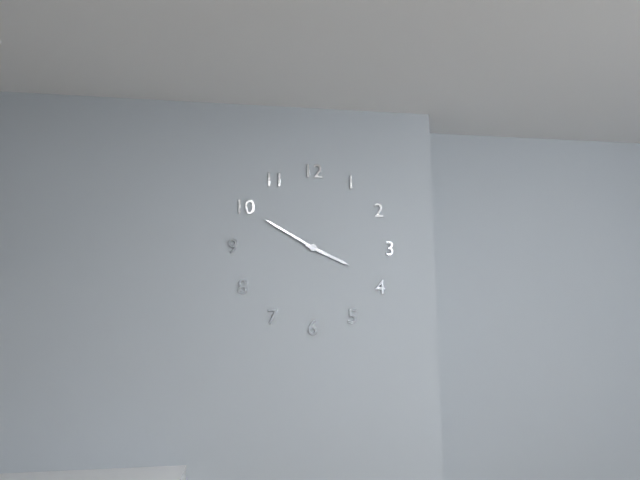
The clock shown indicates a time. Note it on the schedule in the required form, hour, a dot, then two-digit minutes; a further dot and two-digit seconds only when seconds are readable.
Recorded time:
3.50
